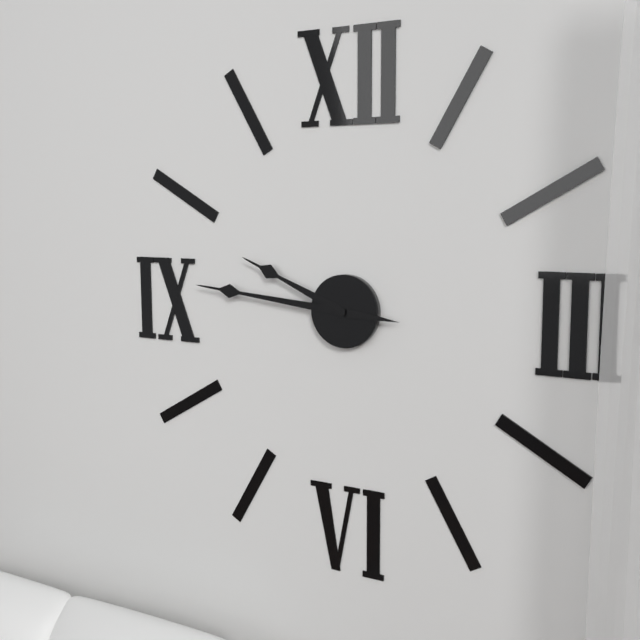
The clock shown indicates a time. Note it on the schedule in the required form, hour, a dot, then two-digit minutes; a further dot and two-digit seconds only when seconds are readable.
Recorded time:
9.46
